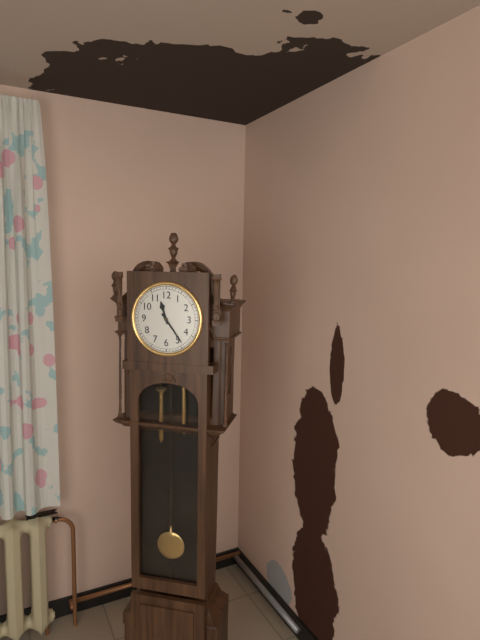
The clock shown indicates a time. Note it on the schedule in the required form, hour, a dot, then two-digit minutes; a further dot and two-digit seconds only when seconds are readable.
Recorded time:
11.24
